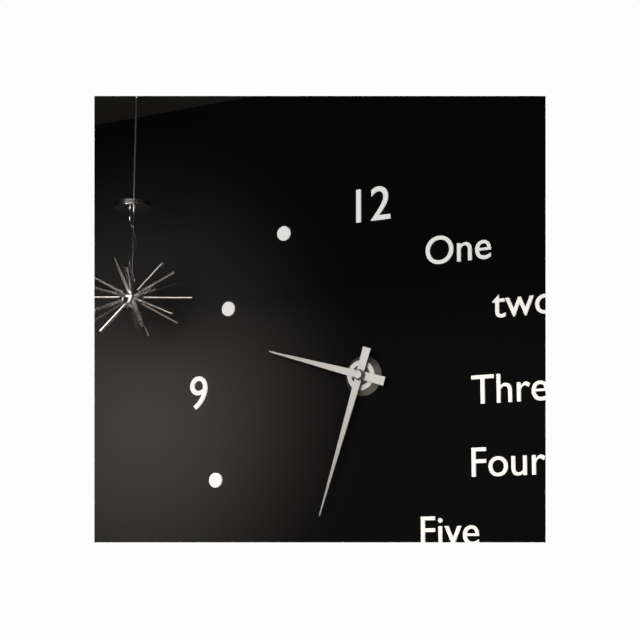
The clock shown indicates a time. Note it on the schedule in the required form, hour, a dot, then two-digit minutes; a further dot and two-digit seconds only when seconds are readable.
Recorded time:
9.33
